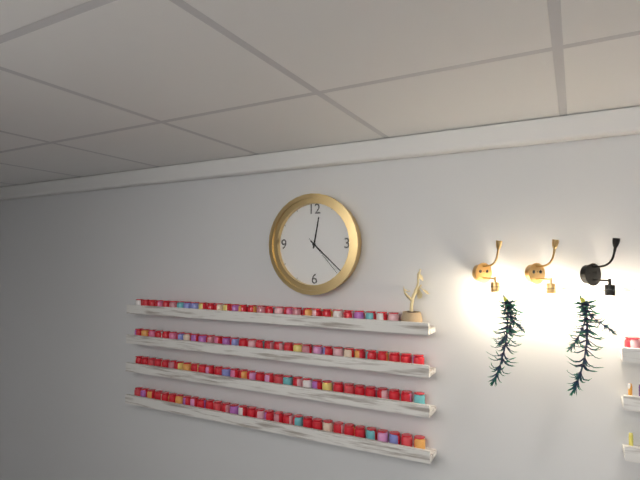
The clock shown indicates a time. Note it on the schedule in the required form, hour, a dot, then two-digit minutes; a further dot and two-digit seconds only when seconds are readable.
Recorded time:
12.22
